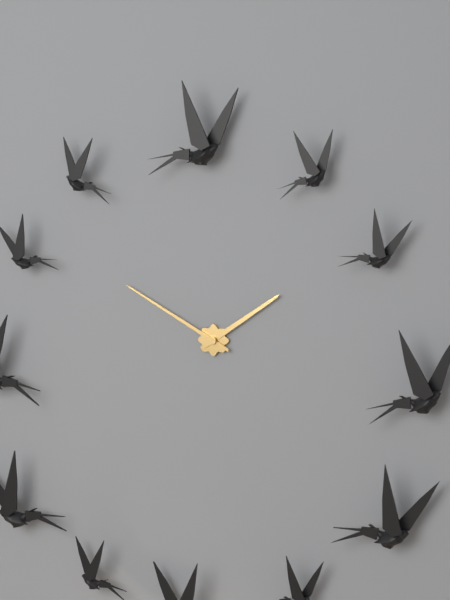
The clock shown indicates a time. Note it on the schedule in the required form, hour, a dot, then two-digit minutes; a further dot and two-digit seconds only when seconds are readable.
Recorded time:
1.50
